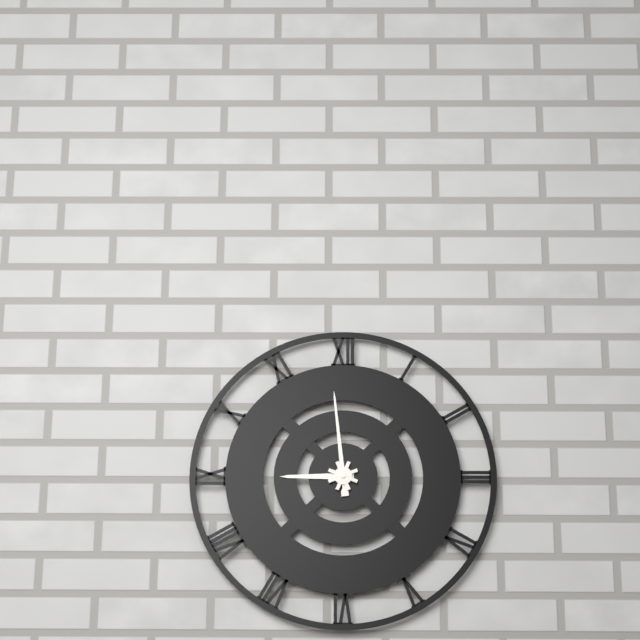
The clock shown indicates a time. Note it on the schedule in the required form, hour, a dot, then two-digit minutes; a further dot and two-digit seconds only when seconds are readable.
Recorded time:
8.59
